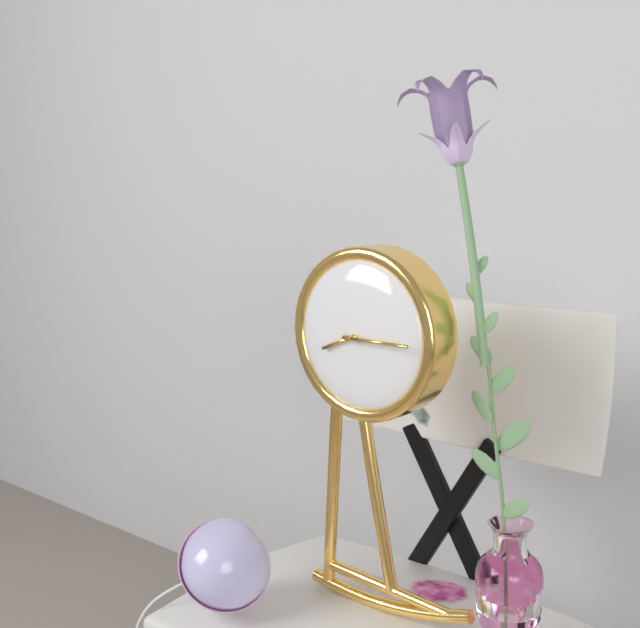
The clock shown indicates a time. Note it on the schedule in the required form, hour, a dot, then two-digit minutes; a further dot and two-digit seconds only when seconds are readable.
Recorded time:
8.15
